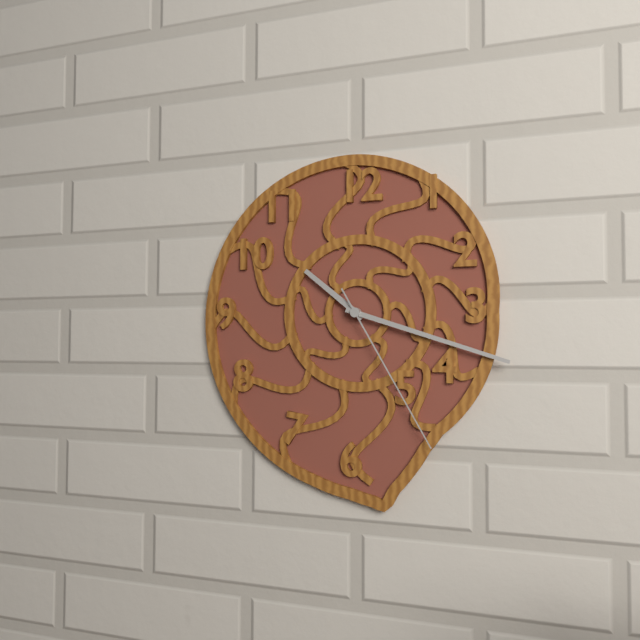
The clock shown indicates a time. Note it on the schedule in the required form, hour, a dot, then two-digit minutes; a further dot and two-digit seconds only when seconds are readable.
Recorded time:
10.18.25
